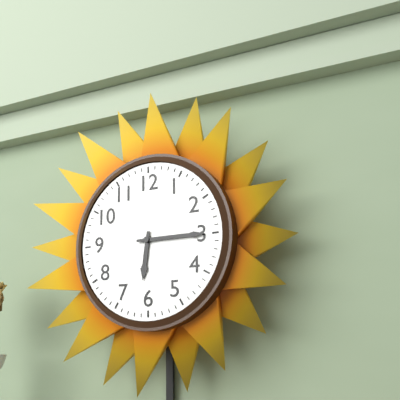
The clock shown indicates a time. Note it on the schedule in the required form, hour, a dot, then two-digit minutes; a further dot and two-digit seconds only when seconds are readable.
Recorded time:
6.15
